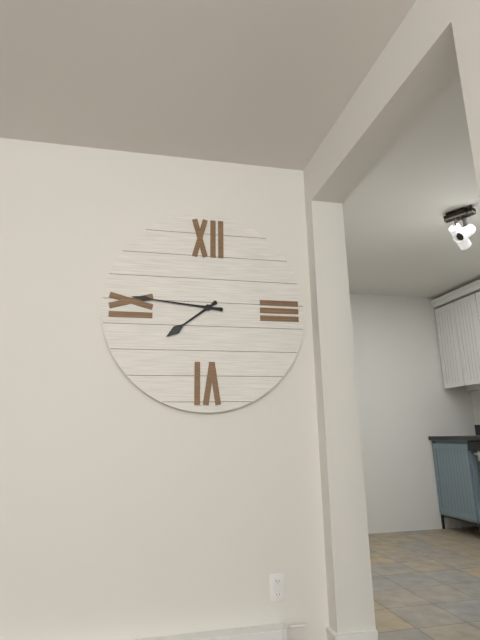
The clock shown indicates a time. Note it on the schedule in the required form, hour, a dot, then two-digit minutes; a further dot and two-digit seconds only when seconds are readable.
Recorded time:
7.46
